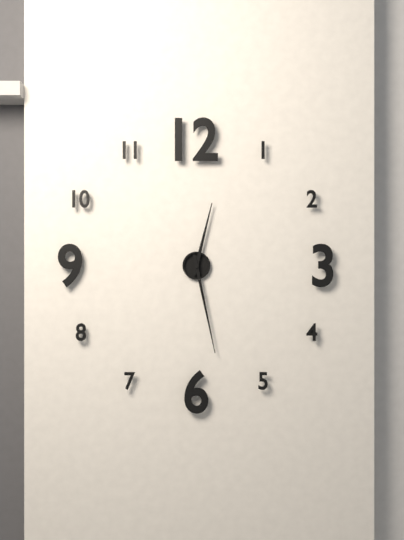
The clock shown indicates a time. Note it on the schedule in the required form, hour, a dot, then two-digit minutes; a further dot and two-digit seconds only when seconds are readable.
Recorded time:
12.28
